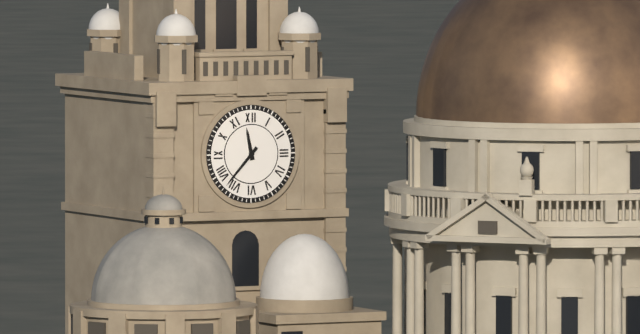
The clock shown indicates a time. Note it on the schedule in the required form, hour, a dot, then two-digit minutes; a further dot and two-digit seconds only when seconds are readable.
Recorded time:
11.37
